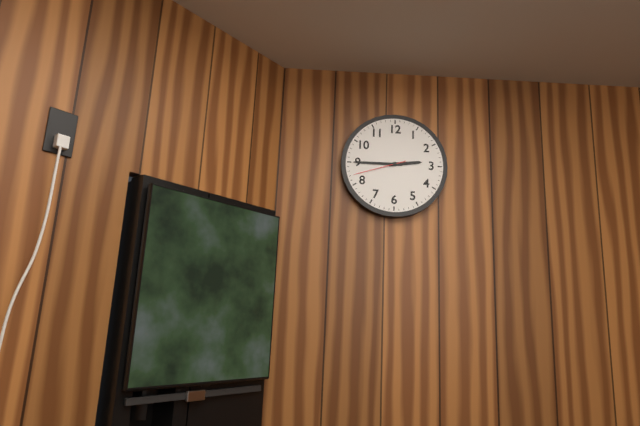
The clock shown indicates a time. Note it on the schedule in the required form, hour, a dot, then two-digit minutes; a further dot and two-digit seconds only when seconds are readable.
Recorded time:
2.45.42
